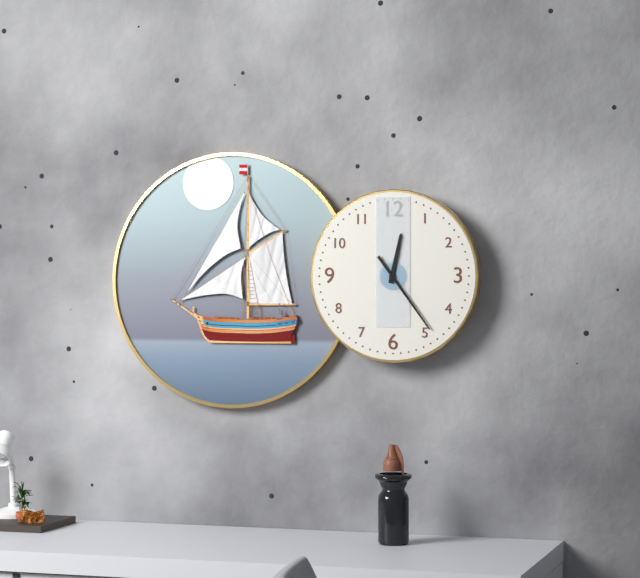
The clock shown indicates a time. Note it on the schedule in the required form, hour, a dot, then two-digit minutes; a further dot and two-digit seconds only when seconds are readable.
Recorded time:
12.24
